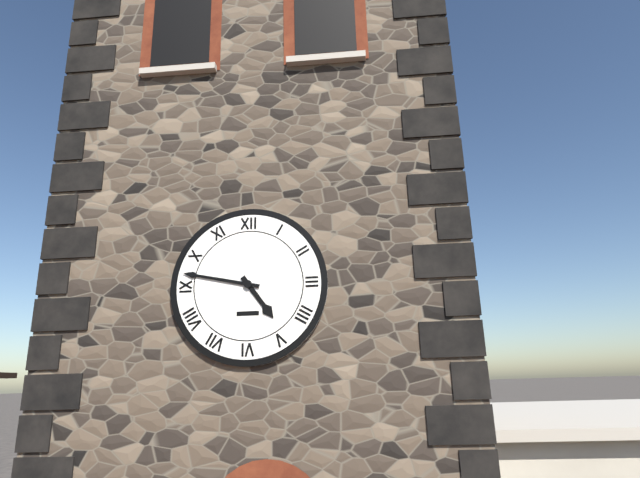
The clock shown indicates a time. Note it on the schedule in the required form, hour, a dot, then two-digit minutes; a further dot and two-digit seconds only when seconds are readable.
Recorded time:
4.47
